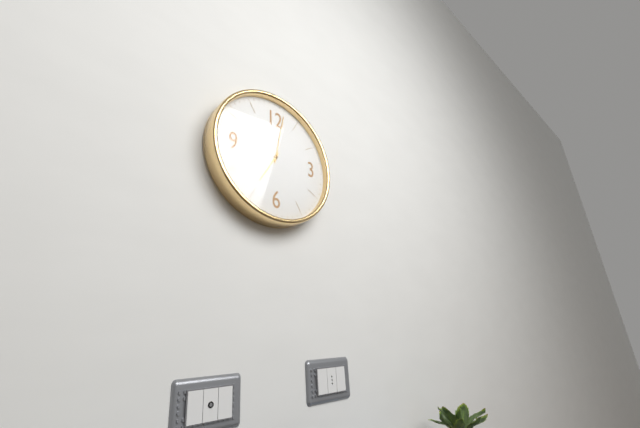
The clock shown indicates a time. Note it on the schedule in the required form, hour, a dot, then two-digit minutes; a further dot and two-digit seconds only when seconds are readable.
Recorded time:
7.02
